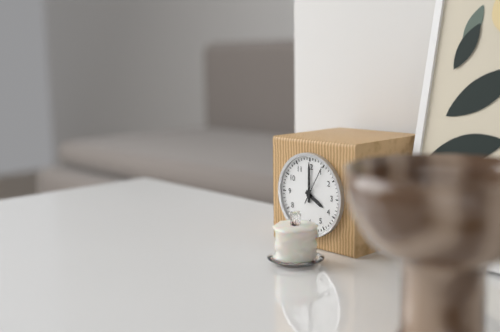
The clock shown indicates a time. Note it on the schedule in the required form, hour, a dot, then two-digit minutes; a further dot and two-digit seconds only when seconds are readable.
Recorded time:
4.00
